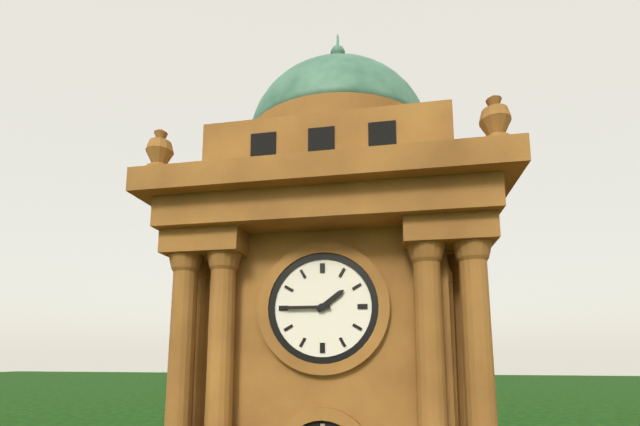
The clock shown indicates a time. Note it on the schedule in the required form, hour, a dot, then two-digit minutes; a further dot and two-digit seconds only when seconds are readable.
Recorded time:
1.45
